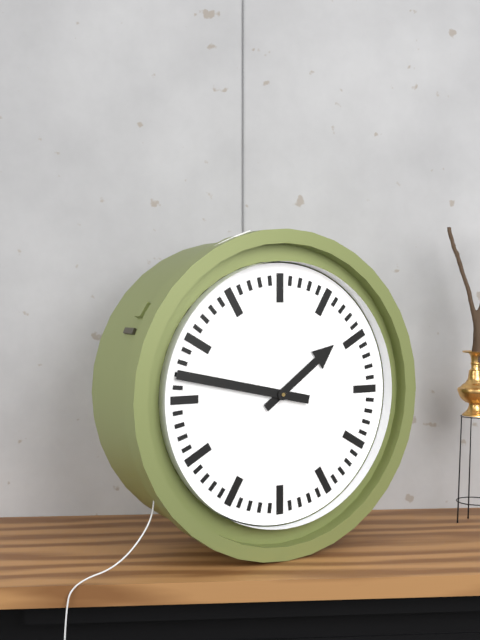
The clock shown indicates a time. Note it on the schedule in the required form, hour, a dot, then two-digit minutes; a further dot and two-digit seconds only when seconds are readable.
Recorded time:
1.47
